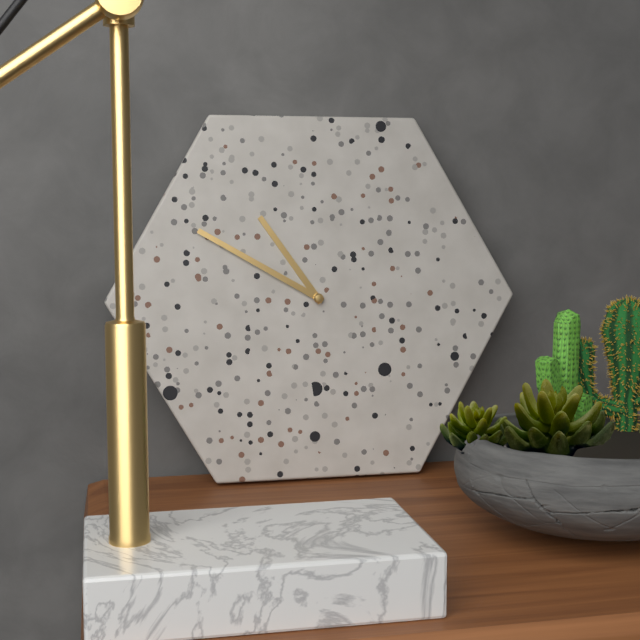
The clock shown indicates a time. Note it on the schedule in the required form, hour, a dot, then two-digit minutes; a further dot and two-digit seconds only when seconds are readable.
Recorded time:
10.50
